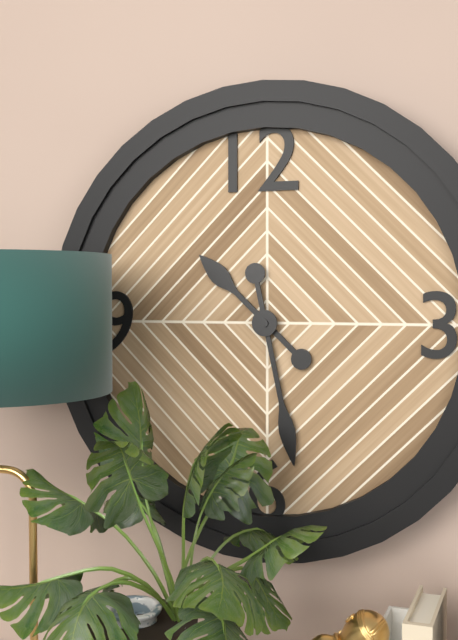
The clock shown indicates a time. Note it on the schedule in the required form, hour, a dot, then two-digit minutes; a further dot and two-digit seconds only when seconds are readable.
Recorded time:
10.28
